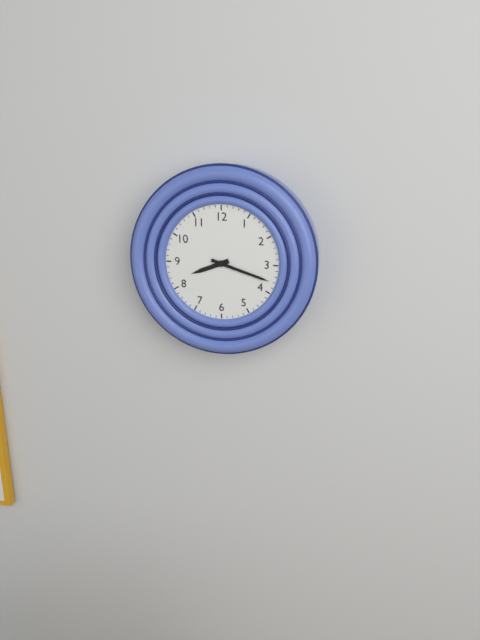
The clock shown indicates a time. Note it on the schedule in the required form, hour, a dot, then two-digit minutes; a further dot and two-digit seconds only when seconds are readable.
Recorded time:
8.18
